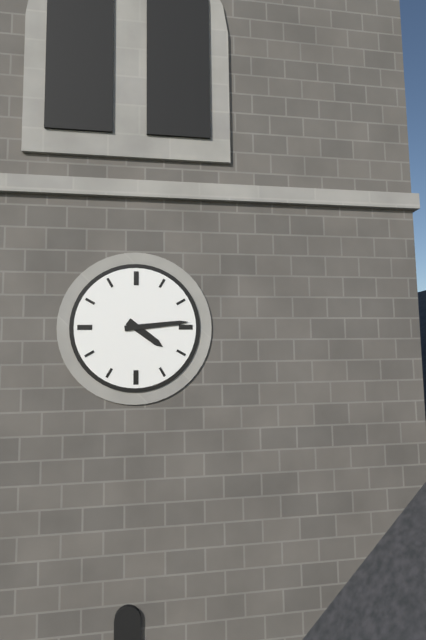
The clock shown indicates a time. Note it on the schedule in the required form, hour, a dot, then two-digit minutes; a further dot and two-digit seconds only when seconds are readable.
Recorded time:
4.14
